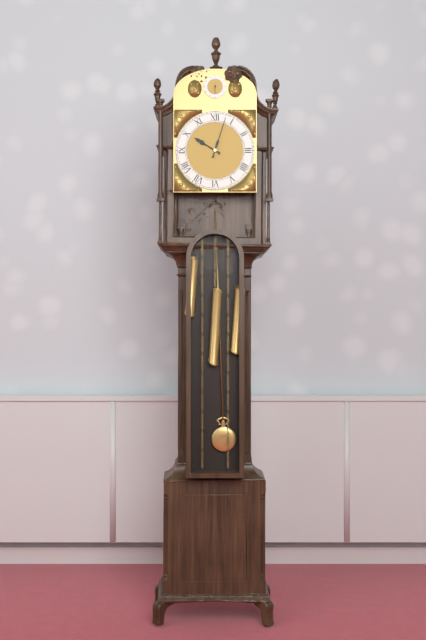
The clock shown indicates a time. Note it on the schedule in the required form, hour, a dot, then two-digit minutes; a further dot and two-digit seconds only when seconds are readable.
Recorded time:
10.03
